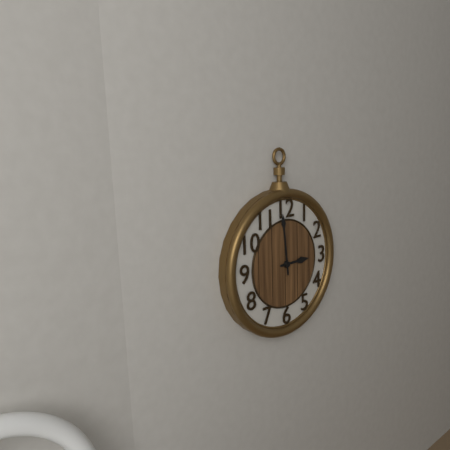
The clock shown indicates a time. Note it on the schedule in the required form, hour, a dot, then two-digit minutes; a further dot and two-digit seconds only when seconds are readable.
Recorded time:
2.59
